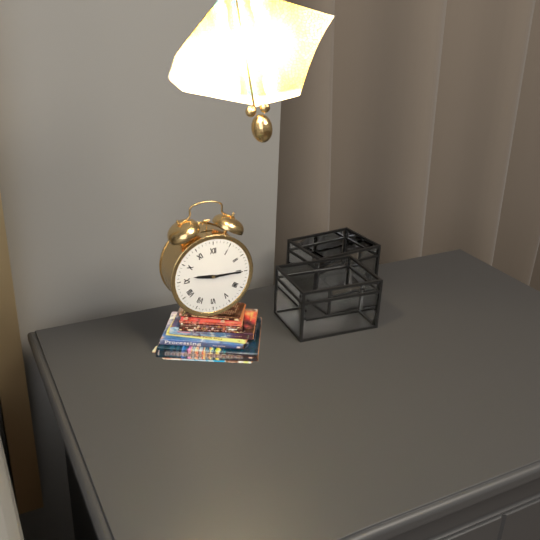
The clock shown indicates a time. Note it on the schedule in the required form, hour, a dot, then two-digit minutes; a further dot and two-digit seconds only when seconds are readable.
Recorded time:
9.15
